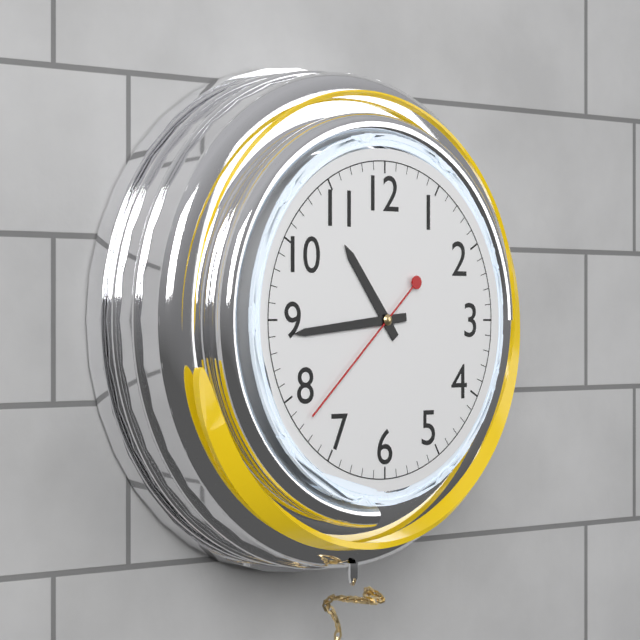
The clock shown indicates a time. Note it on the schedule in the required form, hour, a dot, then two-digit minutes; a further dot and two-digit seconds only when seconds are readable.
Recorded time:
10.44.38
